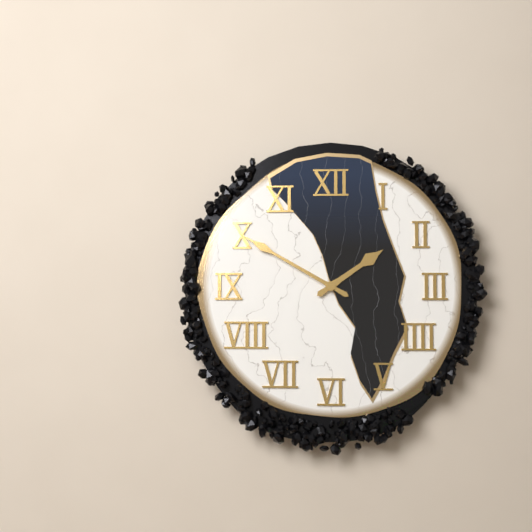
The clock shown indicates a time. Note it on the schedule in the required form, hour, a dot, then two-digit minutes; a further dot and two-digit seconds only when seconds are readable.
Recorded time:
1.50
